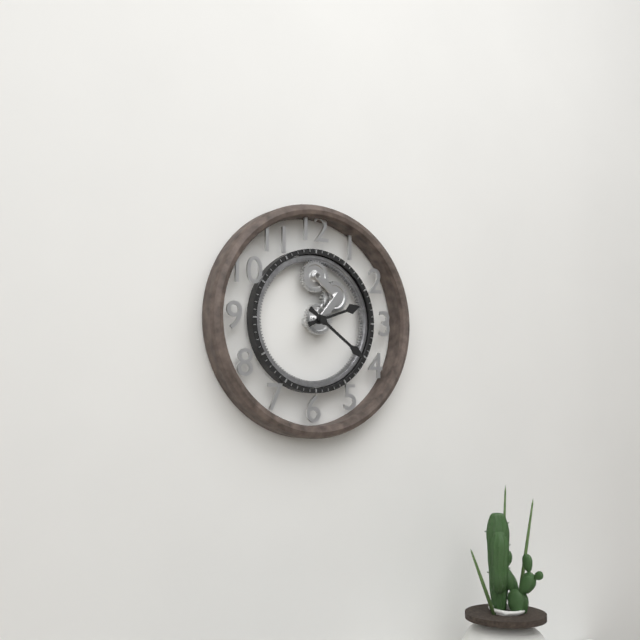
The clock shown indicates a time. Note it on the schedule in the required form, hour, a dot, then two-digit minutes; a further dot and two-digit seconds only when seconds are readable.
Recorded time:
2.21
